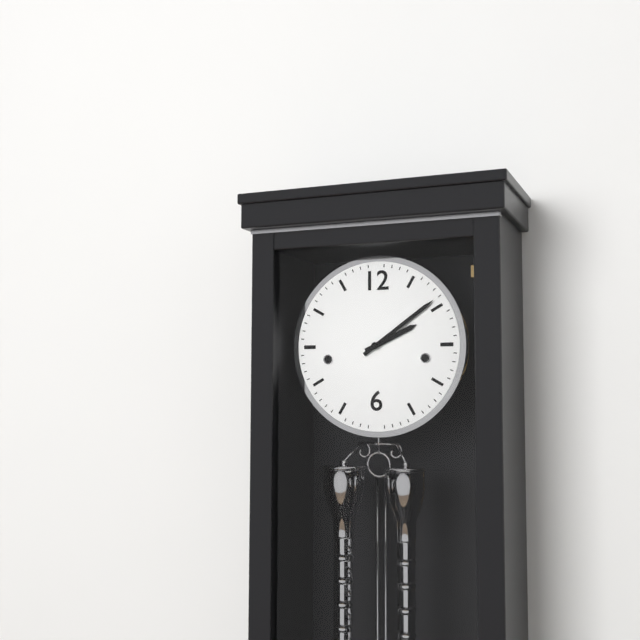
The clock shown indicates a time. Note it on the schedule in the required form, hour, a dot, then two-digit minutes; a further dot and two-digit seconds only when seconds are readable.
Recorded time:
2.09
